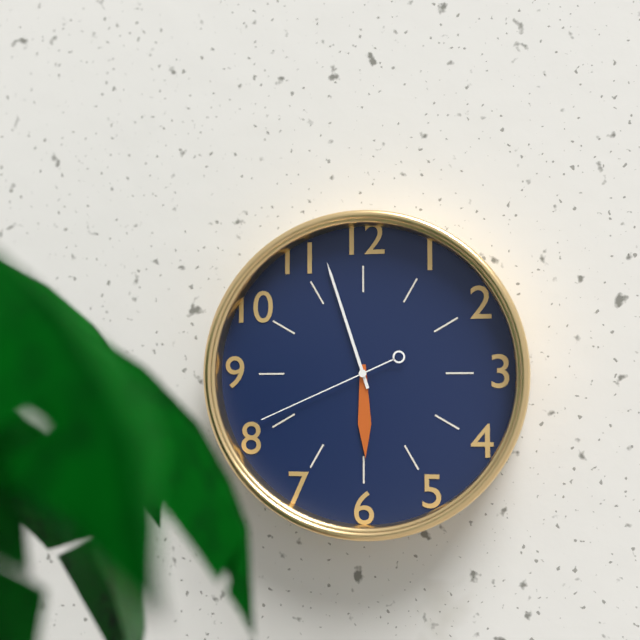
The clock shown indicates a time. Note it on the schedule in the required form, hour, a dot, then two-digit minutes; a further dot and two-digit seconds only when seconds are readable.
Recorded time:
5.57.41
